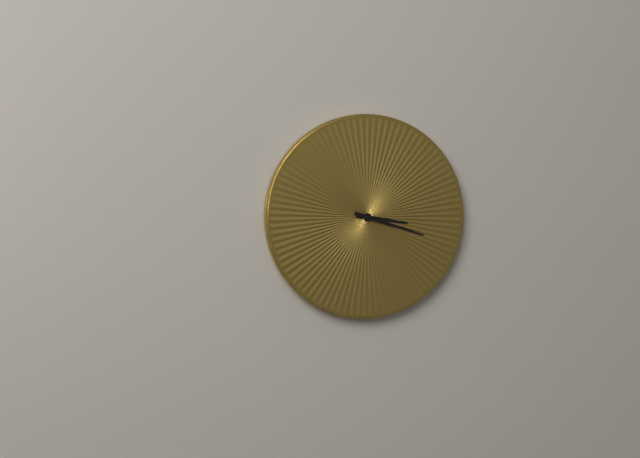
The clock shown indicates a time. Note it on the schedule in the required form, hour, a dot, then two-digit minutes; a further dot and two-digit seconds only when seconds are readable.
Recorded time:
3.18
